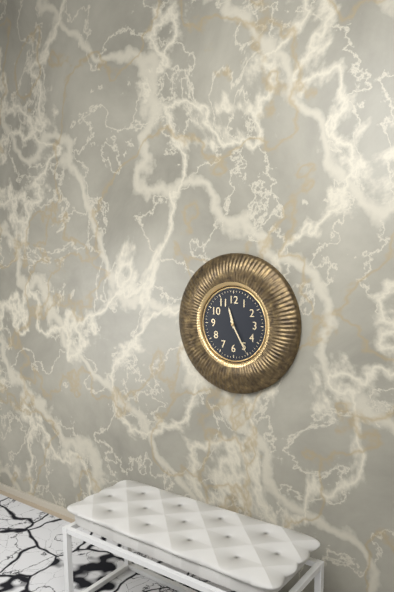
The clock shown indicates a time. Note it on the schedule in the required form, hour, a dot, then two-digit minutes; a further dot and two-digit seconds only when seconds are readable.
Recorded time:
11.25
